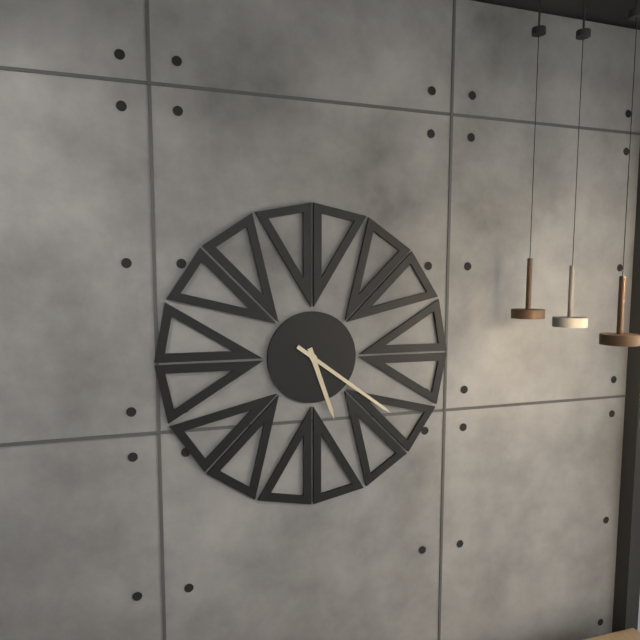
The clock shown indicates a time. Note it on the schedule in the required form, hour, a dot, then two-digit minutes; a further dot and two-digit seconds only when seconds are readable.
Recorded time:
5.21
